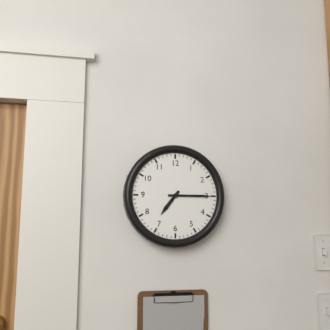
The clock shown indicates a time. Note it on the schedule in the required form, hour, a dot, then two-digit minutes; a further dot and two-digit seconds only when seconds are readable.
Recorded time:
7.15
